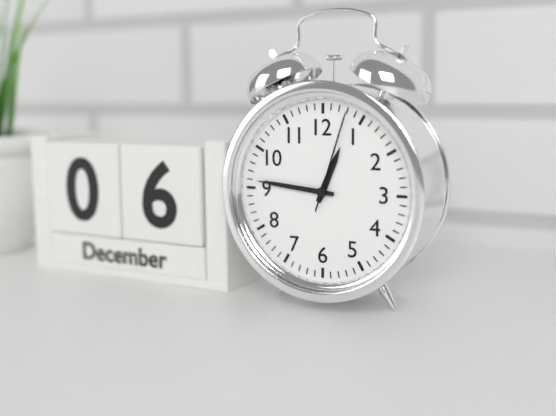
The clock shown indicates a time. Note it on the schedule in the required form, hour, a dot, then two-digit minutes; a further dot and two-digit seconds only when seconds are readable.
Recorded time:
12.46.03
